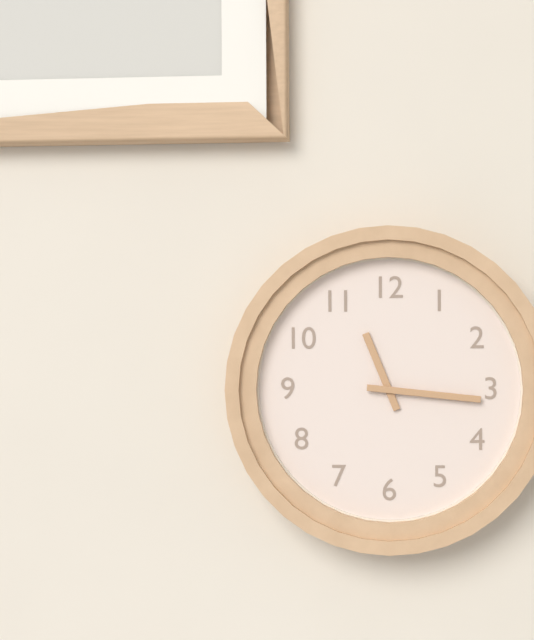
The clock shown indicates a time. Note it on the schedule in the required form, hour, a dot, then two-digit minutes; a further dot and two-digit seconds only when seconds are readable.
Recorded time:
11.16
